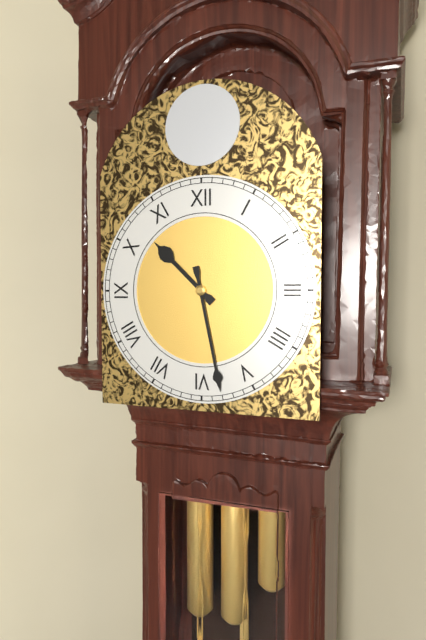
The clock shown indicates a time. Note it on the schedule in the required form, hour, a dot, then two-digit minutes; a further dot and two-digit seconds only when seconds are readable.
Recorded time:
10.28
